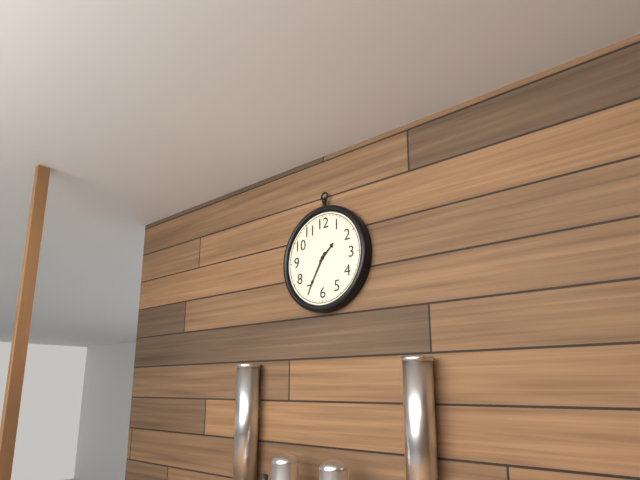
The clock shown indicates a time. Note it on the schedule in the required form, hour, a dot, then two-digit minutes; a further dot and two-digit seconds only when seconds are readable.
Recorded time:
1.35
